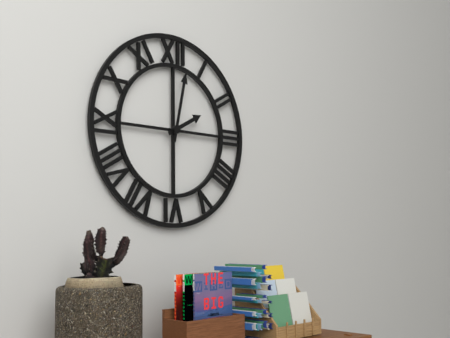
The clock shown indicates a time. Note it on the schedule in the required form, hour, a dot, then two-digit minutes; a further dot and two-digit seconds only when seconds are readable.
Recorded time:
2.02
